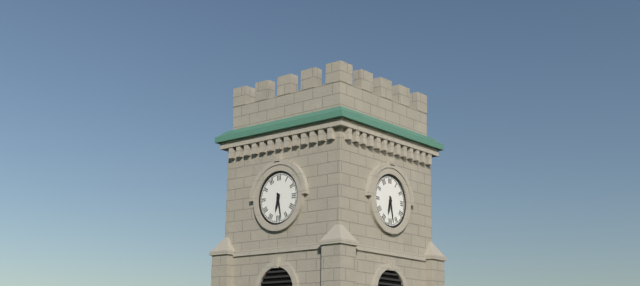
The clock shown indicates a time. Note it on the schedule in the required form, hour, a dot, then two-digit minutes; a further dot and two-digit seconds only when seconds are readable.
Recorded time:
6.28
